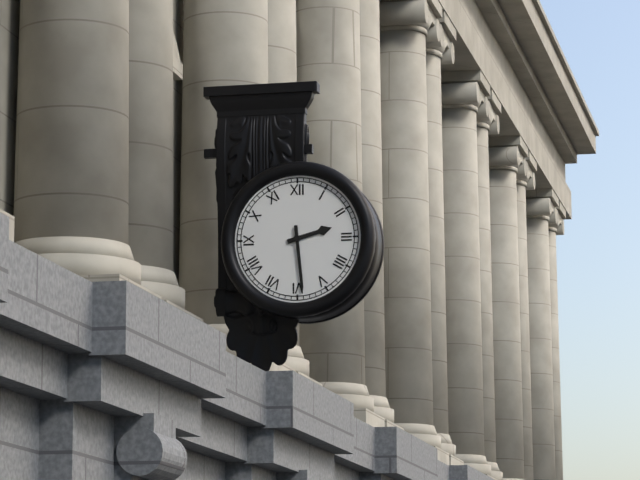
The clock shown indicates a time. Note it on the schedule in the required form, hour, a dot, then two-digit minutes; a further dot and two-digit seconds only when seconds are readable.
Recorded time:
2.29
